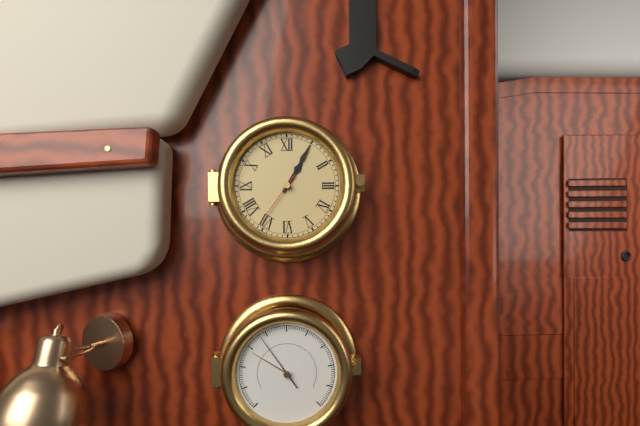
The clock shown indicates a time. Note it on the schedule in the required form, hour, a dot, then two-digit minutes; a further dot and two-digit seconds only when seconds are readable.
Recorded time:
1.05.36
